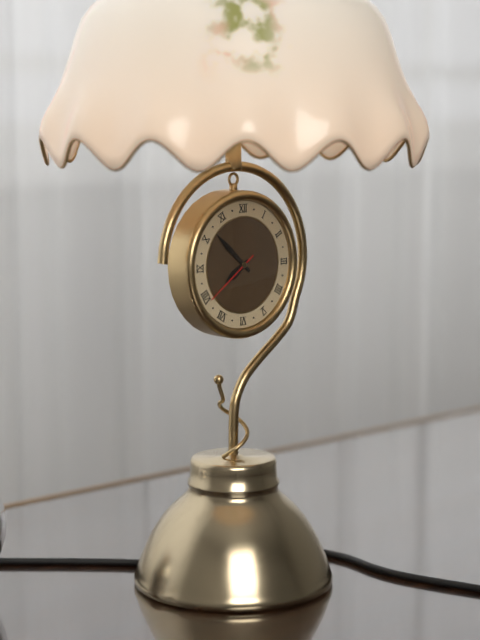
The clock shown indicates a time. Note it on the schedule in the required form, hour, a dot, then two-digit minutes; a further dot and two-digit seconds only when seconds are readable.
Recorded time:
7.52.39
